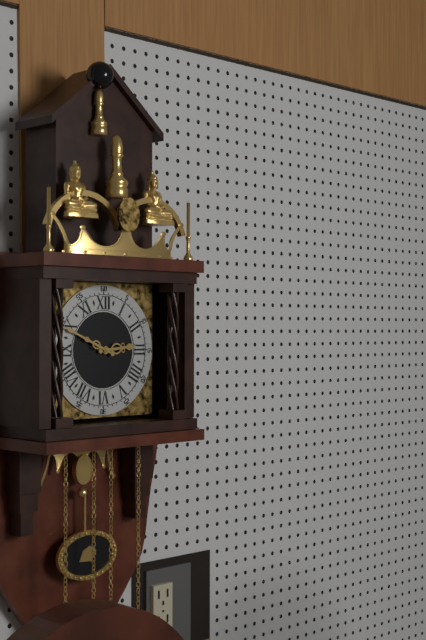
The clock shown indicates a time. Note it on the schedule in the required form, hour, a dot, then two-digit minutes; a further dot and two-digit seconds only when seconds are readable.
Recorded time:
2.49
